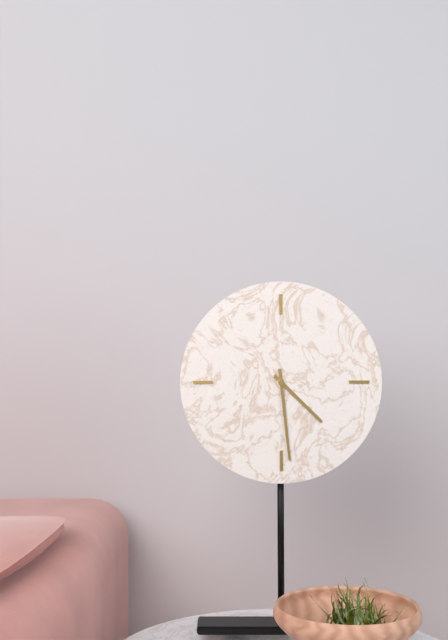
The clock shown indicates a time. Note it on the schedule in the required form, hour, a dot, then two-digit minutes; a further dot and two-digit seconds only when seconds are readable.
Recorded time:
4.29
